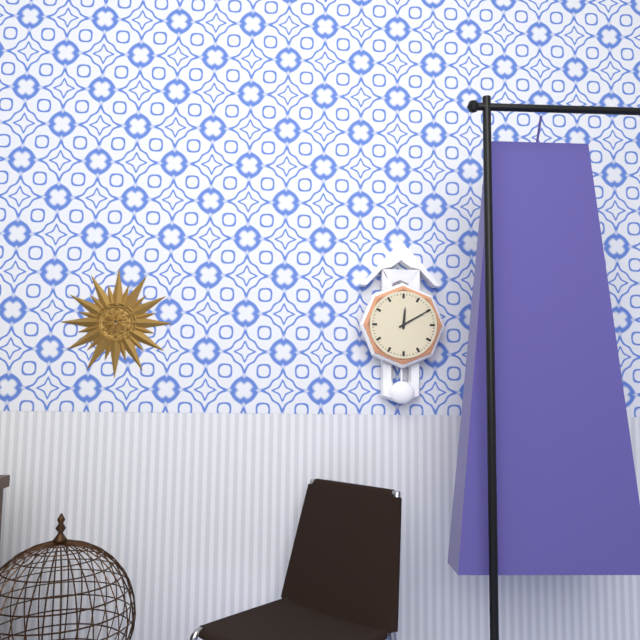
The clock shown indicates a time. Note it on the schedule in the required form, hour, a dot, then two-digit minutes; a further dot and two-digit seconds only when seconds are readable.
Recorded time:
12.10
